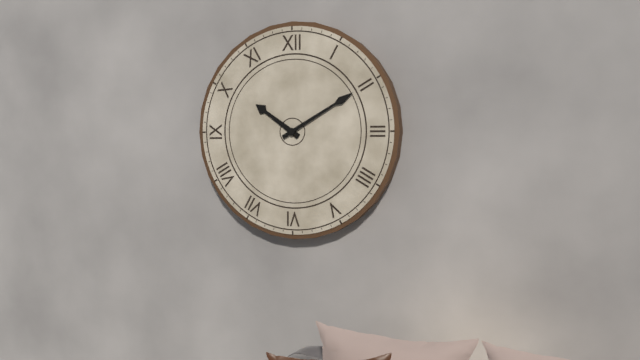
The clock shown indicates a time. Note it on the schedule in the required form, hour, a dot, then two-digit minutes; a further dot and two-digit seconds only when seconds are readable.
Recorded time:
10.10
